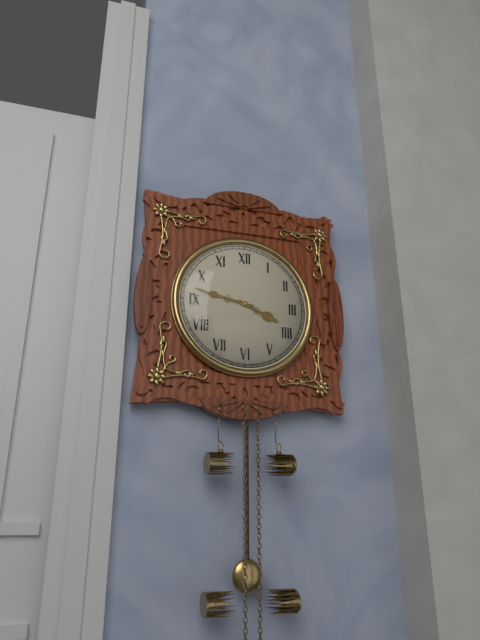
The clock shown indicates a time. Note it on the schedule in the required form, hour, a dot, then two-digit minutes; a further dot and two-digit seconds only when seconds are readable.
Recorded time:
3.47
